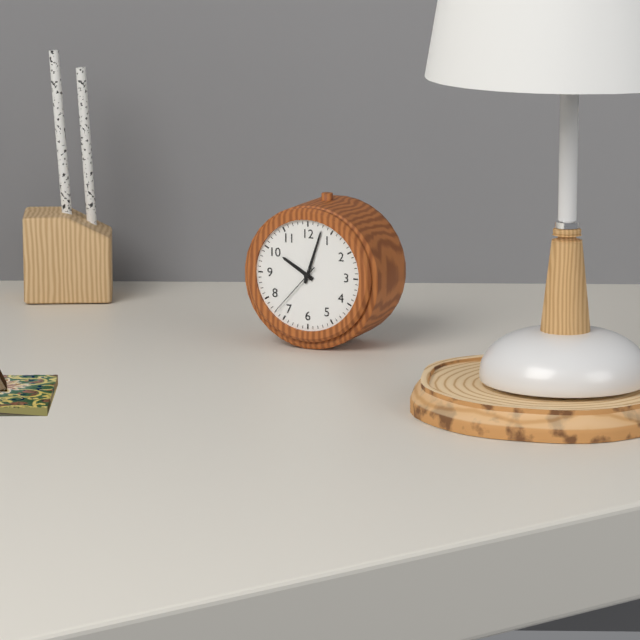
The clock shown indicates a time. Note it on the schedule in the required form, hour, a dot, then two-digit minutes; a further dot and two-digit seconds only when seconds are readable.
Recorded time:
10.03.37
